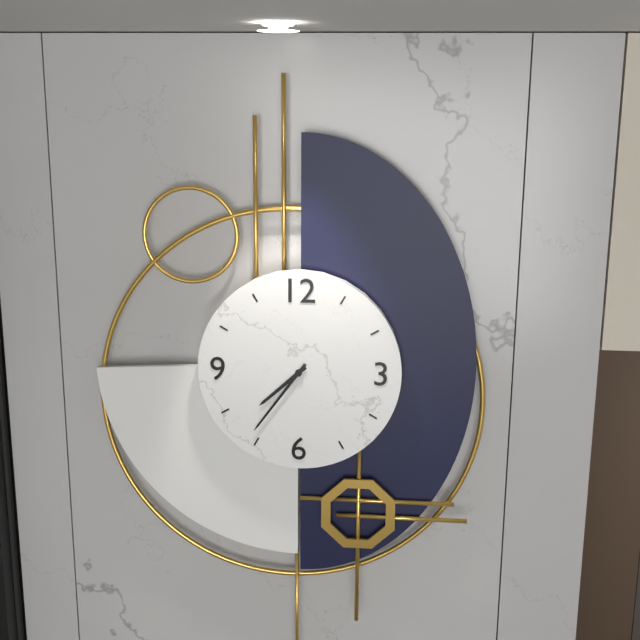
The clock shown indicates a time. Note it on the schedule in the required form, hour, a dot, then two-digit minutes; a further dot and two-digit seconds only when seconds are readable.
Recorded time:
7.36
